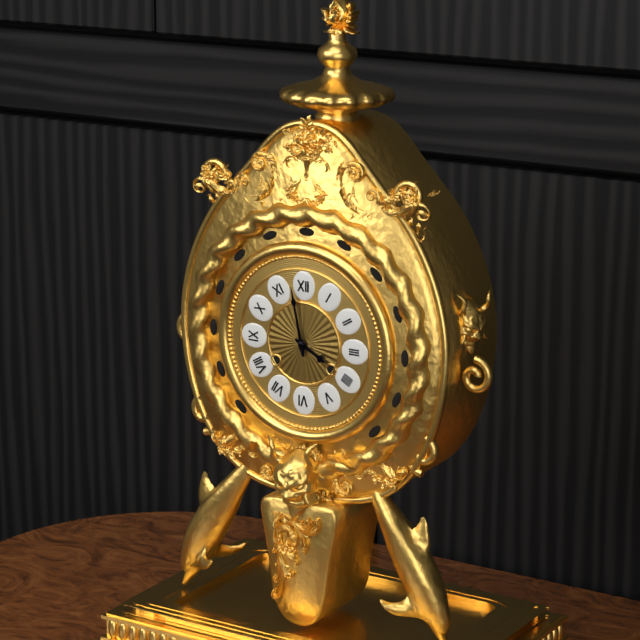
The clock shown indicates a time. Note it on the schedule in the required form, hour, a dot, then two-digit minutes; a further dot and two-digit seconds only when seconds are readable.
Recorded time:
3.58
